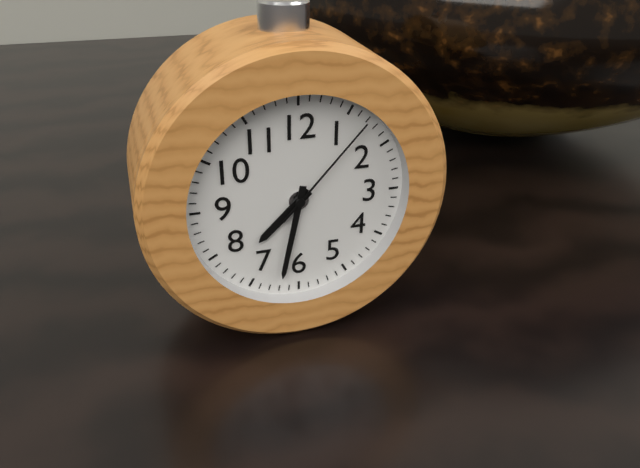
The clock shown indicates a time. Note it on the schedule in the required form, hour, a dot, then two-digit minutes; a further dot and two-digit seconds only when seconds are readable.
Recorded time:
7.32.07
